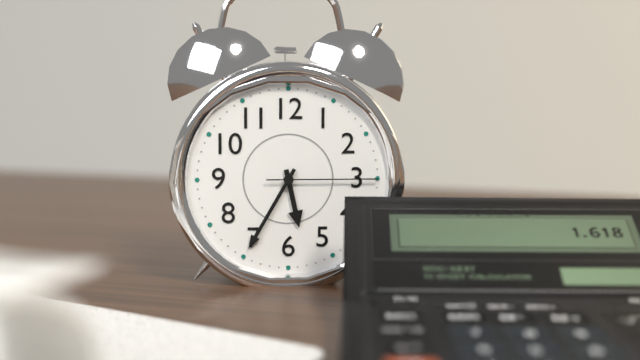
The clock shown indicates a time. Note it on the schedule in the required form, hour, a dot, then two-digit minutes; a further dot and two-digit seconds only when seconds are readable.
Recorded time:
5.35.15
